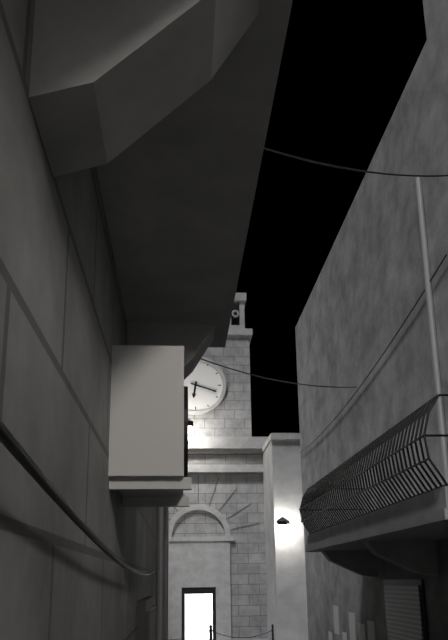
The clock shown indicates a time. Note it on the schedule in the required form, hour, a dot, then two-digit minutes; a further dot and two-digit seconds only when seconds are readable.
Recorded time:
6.18
